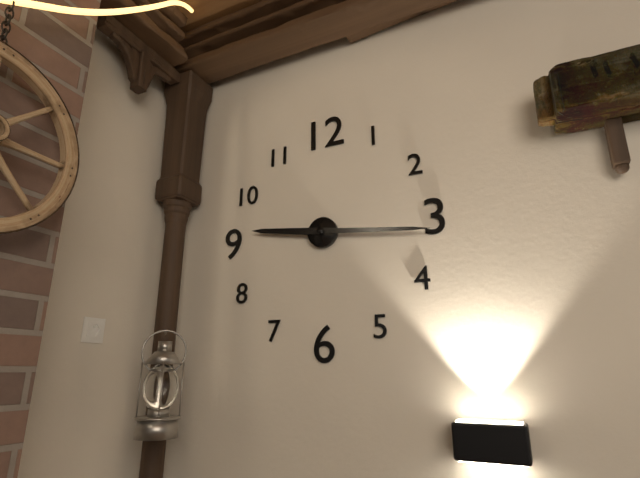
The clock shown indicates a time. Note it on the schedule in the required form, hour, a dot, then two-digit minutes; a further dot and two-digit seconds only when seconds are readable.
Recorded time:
9.16
